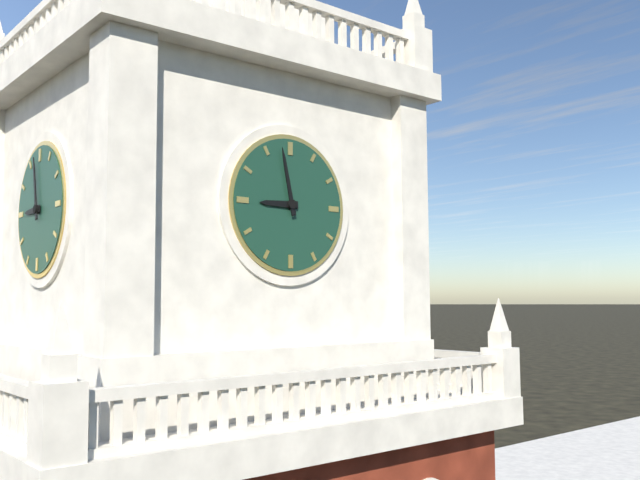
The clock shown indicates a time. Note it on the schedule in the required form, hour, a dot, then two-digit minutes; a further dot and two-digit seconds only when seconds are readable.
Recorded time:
8.58
